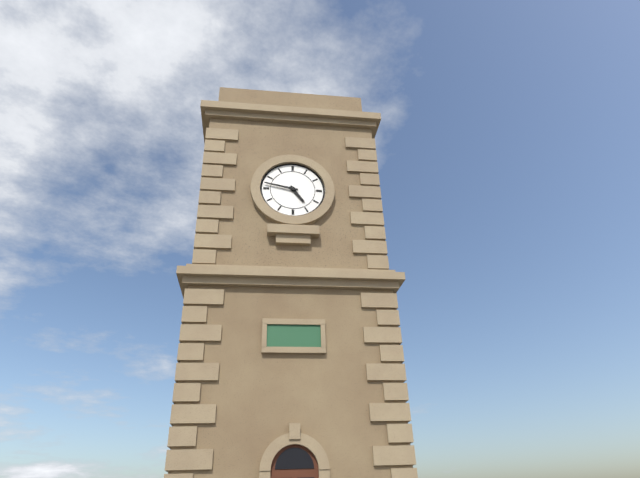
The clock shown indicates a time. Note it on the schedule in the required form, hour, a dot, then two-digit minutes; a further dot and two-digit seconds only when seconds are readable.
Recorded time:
4.47
